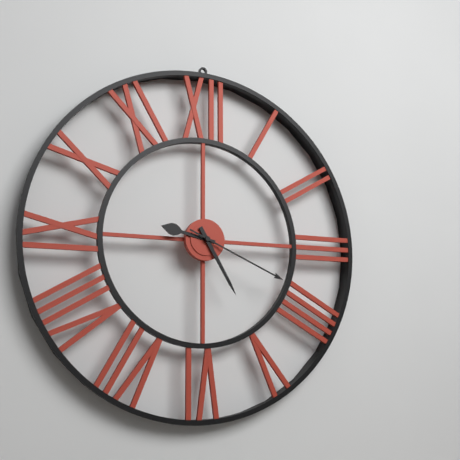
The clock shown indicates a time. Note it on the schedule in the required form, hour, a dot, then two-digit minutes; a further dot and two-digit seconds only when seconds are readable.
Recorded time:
9.25.19
